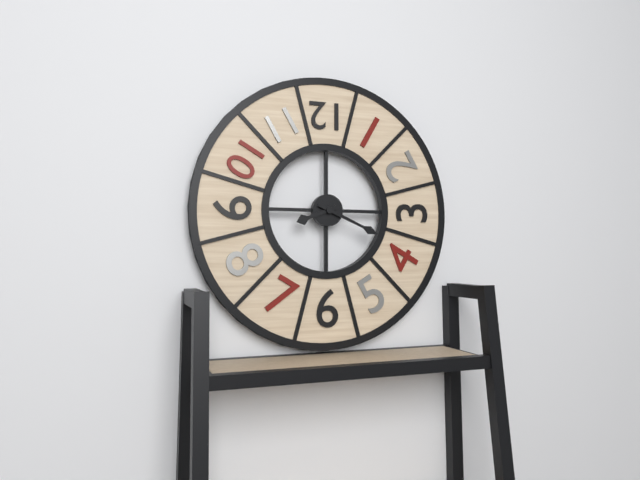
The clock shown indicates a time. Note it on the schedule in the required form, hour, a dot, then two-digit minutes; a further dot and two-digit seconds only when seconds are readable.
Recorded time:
8.19
